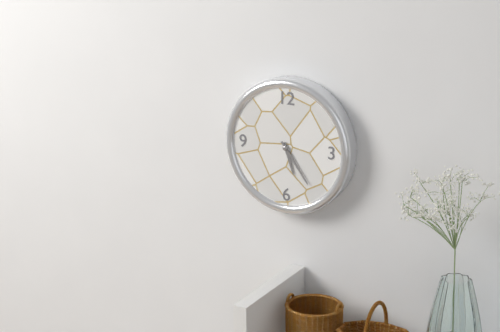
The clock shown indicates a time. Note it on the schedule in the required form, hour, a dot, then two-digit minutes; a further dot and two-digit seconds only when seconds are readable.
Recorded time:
5.24
